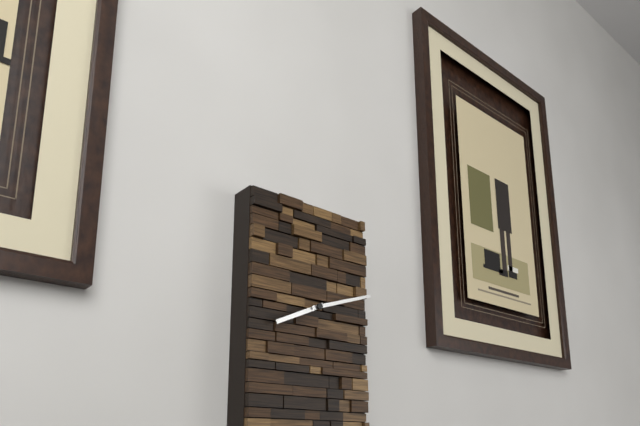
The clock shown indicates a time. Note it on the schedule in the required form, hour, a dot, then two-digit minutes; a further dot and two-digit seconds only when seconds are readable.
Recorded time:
8.12
